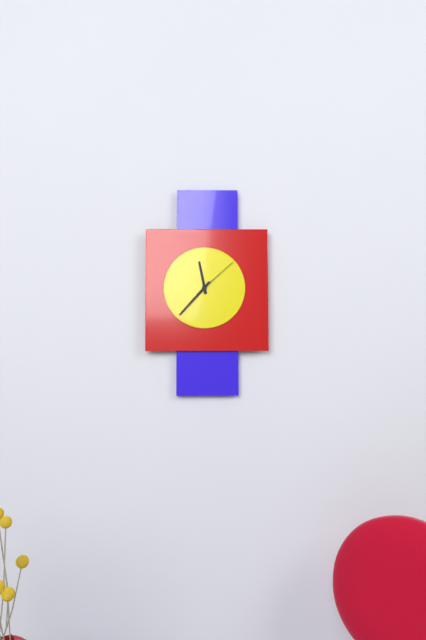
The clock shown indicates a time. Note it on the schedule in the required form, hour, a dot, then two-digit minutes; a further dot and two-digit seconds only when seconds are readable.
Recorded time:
11.37
